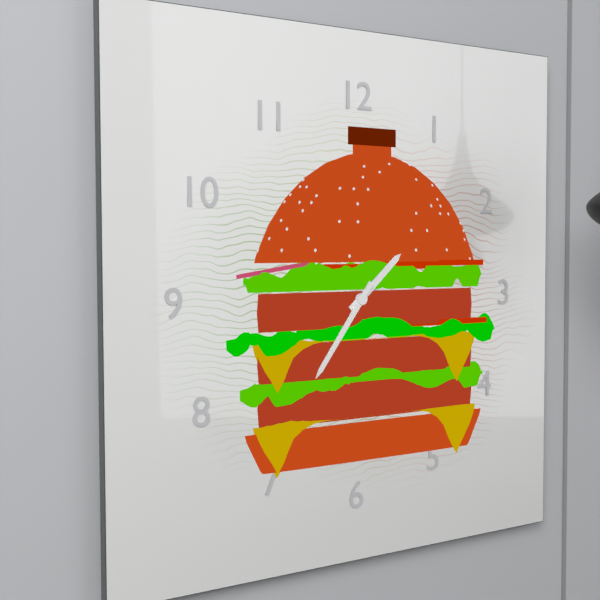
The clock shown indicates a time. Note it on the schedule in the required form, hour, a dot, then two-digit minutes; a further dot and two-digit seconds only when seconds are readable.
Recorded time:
1.36
